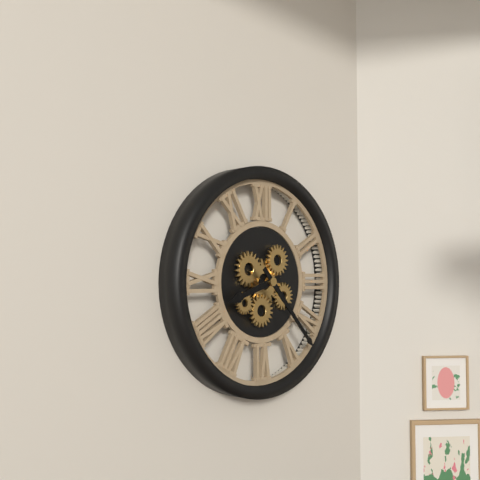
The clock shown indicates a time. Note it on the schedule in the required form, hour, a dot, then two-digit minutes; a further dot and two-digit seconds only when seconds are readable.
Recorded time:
8.23
